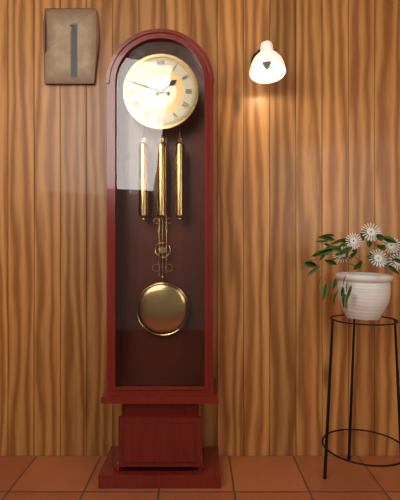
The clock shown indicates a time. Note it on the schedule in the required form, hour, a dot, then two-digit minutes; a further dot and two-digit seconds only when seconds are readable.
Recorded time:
1.48
